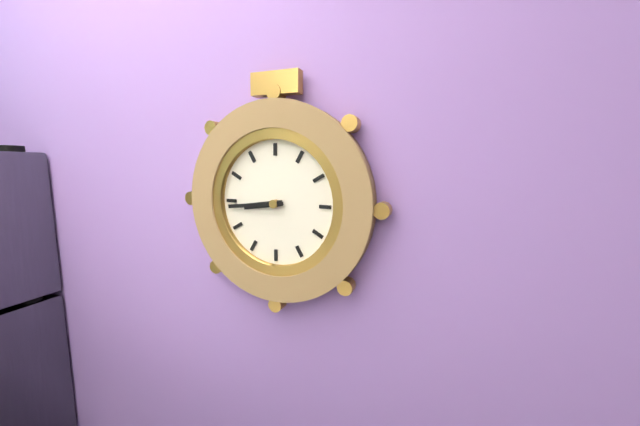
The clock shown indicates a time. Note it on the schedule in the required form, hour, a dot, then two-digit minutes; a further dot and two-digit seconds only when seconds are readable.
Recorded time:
8.44
